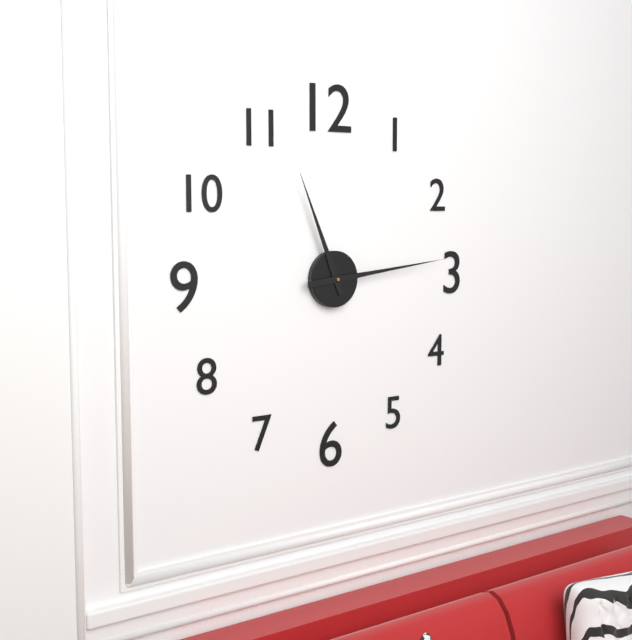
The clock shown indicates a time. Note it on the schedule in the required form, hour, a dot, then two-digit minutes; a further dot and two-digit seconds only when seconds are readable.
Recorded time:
11.14
